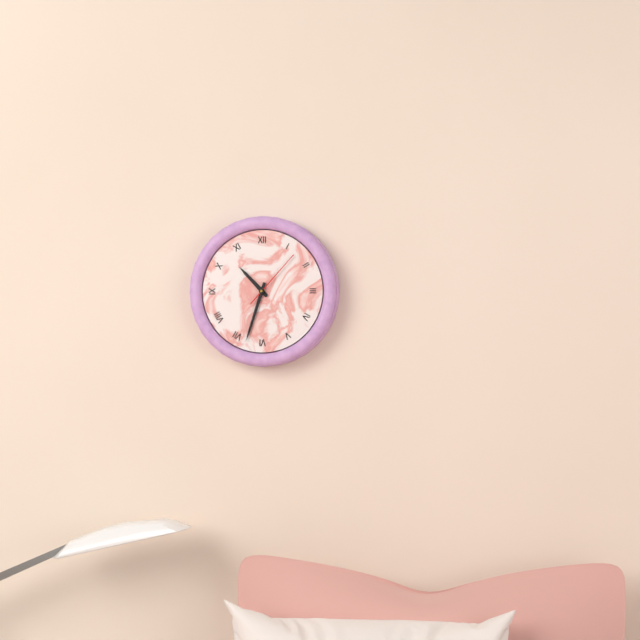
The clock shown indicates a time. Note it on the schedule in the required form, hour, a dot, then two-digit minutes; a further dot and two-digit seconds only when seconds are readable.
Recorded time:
10.33.07
